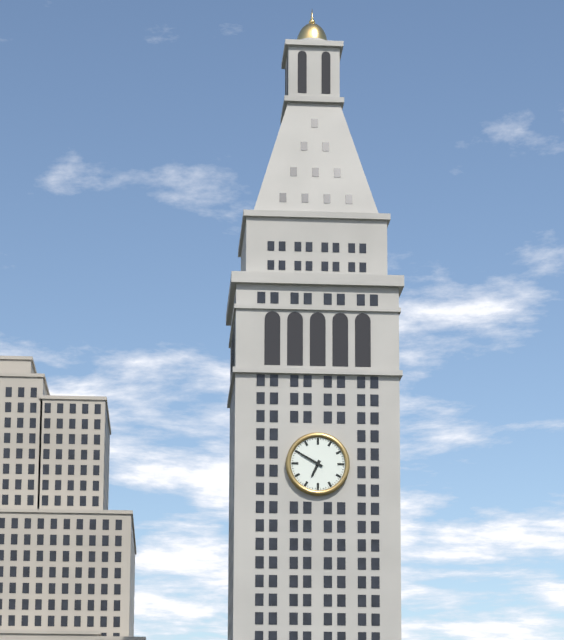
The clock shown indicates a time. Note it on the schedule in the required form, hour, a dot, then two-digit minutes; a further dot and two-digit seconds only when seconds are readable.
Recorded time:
6.50
